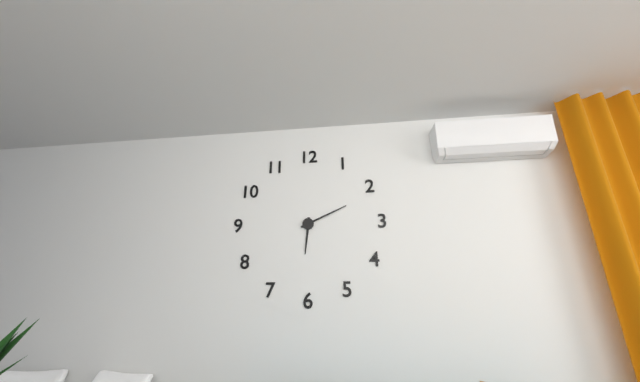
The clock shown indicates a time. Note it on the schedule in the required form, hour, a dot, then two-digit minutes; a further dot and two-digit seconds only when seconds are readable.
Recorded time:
6.11
